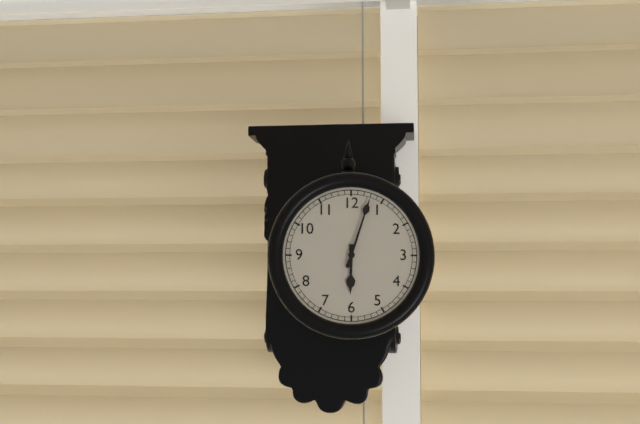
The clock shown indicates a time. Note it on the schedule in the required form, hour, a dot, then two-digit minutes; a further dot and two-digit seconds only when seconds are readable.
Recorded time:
6.03
